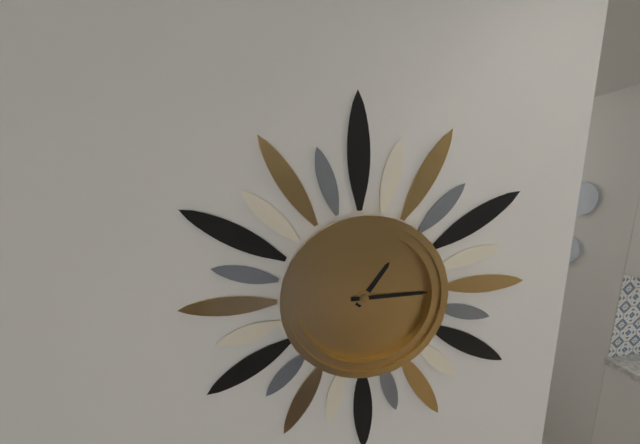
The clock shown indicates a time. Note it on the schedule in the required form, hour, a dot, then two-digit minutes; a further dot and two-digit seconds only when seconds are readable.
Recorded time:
1.15
